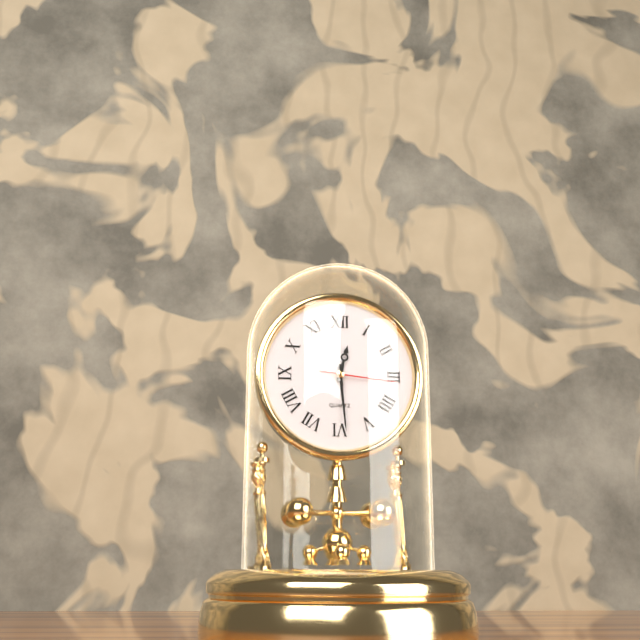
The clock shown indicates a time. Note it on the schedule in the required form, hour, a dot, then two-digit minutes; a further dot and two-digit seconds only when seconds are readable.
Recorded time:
12.29.16
